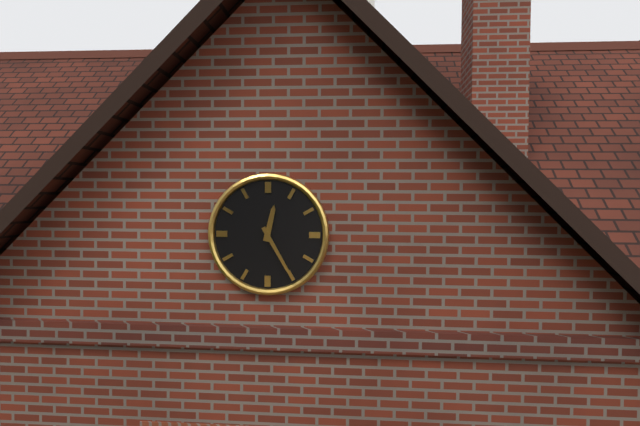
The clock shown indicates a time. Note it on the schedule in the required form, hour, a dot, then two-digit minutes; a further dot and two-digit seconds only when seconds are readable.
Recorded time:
12.25
